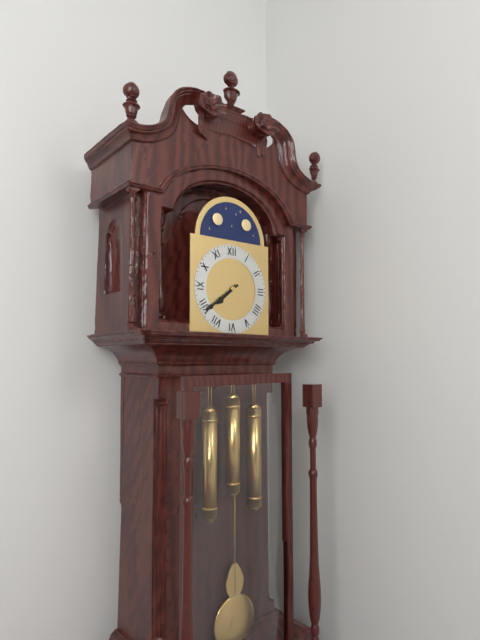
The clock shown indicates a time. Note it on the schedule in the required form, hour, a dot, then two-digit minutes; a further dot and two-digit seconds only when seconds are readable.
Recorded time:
7.39
